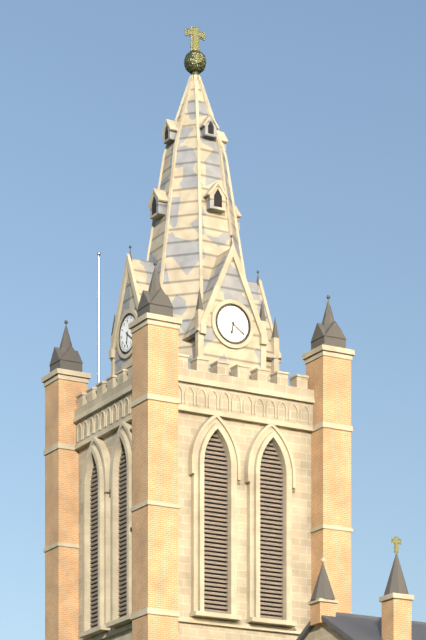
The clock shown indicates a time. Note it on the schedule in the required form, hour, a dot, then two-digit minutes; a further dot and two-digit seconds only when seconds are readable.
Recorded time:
6.21
